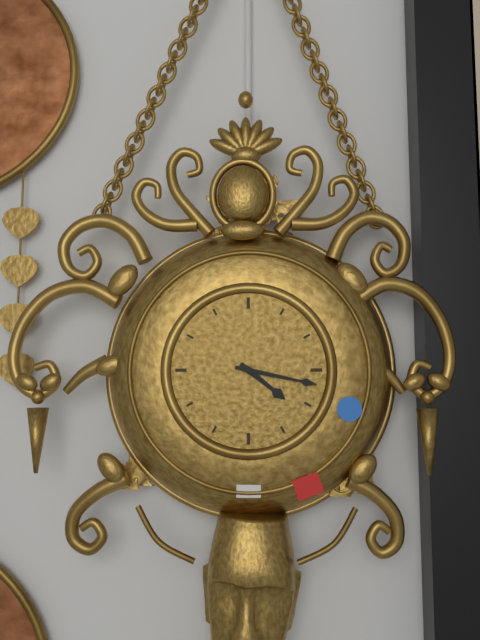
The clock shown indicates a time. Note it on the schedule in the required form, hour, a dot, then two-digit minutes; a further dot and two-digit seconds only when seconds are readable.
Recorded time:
4.17
